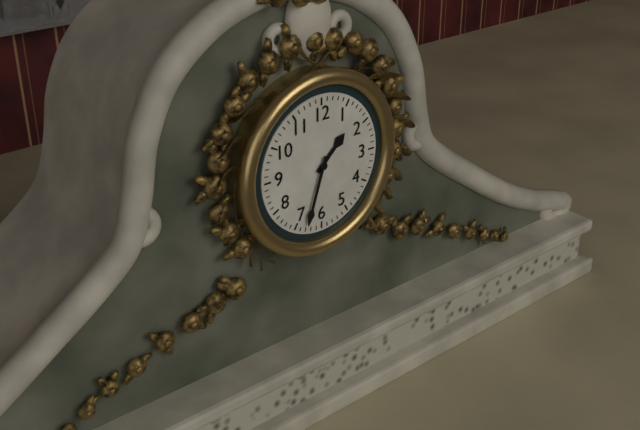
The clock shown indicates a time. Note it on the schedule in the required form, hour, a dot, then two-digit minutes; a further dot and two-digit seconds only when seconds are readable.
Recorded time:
1.33
